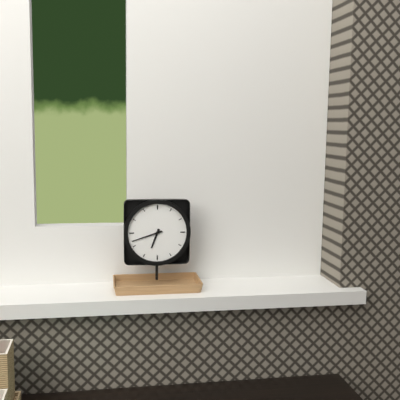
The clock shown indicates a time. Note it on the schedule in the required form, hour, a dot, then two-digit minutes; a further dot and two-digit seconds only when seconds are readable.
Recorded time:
6.42
